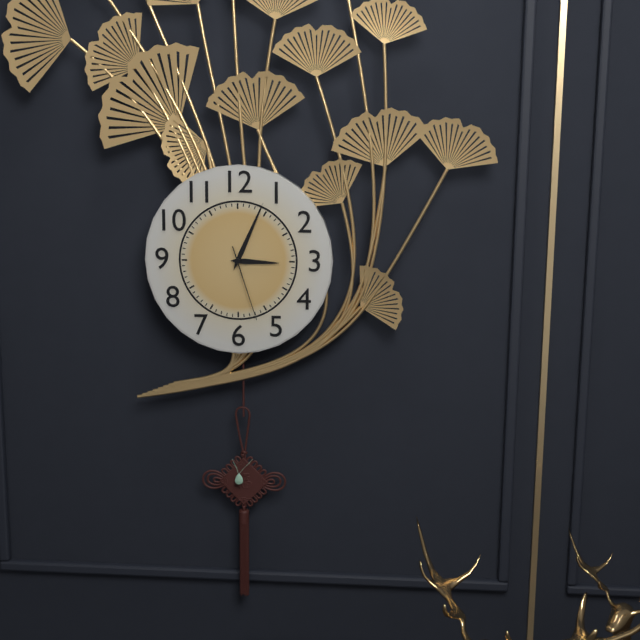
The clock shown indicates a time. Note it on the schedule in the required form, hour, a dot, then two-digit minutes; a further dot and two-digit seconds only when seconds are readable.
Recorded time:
3.04.27
